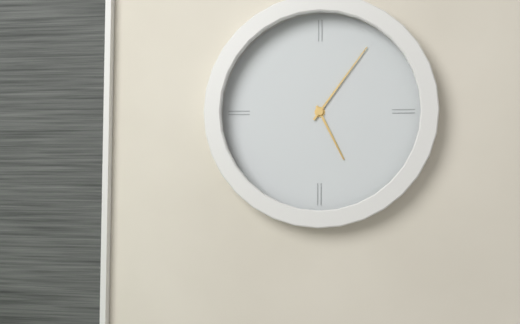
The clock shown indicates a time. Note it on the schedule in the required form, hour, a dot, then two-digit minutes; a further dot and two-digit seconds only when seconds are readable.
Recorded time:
5.06
